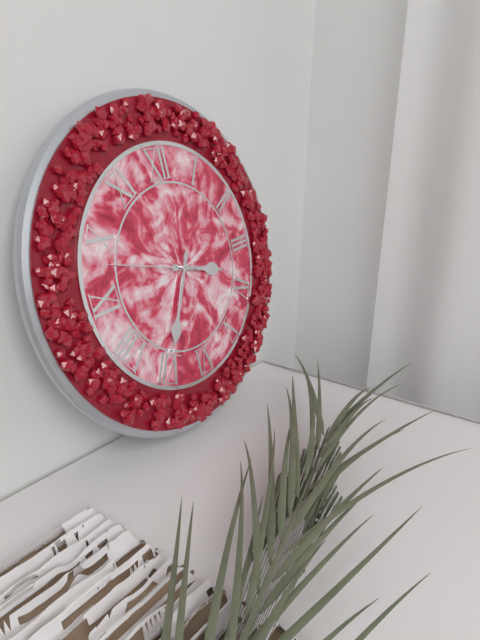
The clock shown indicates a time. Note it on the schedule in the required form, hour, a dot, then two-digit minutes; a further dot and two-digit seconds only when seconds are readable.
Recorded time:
3.35.48
